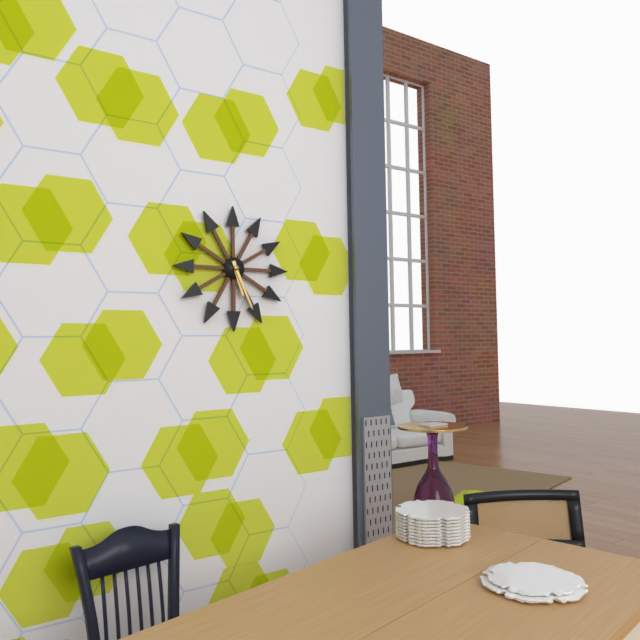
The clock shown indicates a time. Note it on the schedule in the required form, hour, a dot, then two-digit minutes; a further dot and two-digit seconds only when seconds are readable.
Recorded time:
5.26
